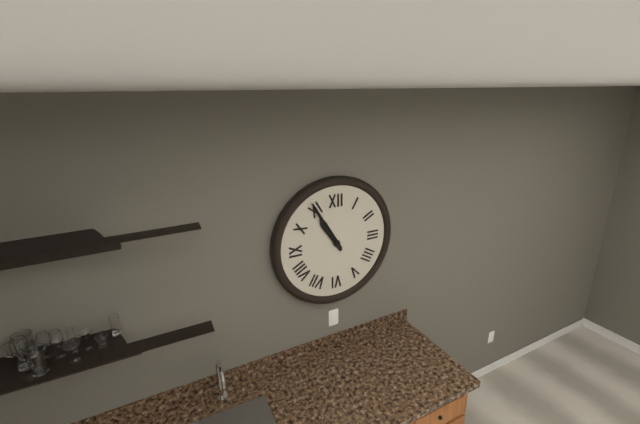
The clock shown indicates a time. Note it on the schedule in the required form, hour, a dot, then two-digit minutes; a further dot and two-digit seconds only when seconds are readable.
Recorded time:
10.55
